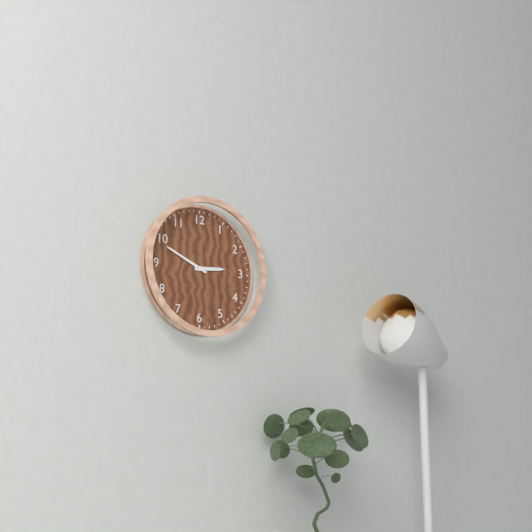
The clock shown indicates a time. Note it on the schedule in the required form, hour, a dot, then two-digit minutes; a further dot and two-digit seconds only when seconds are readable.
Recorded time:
2.49
